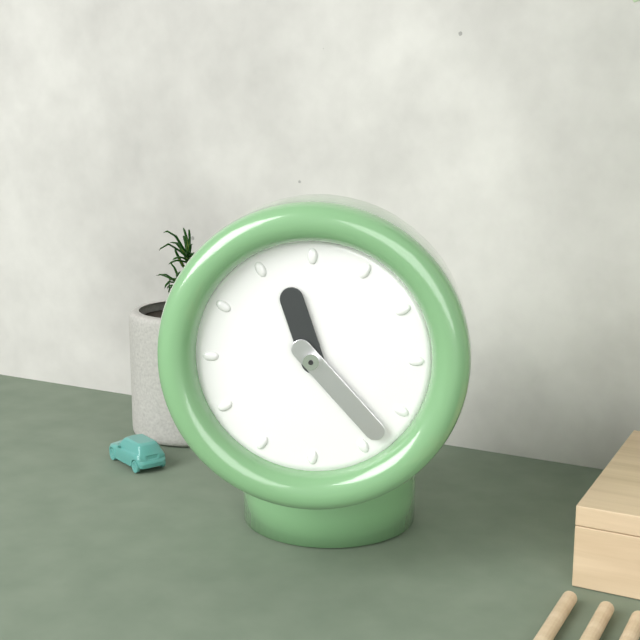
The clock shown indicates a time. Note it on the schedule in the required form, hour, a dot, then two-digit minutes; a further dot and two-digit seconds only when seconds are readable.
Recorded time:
11.23
